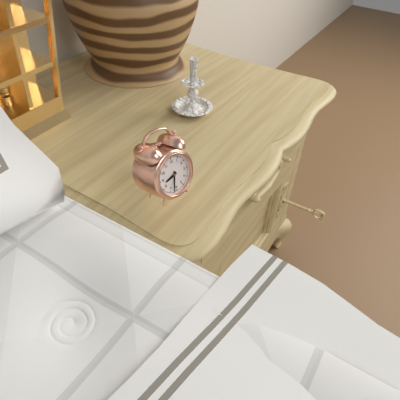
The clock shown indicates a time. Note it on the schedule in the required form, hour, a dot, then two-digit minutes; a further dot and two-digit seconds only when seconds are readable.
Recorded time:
8.32
